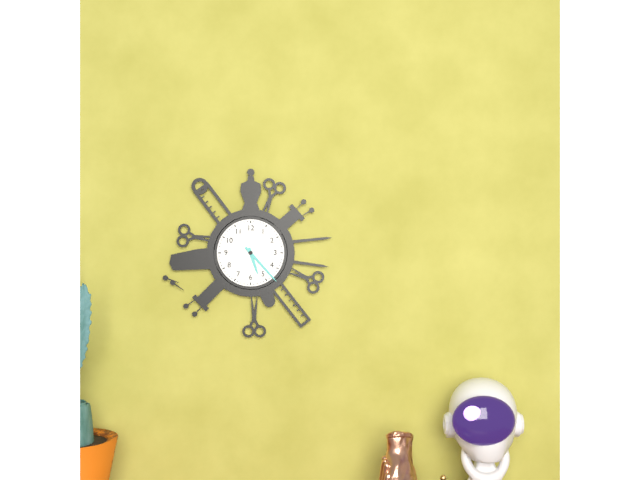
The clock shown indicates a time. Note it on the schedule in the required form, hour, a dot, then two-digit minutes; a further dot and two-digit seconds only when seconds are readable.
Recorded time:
5.23
